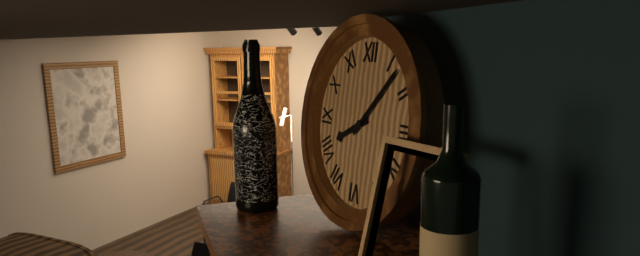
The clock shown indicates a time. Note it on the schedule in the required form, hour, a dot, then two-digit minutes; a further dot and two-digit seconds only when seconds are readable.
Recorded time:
8.07
